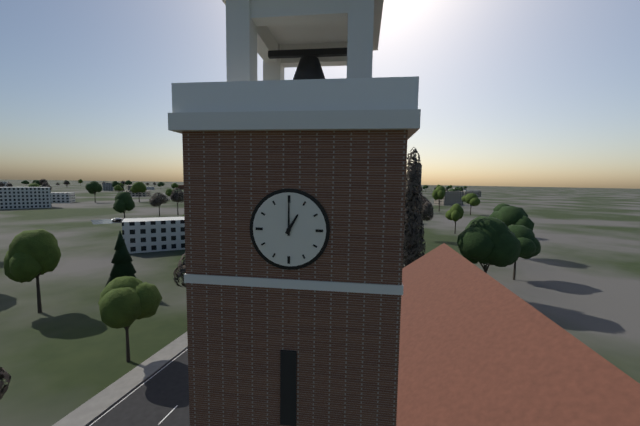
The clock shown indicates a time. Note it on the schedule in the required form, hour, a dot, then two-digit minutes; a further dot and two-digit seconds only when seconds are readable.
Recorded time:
1.00
